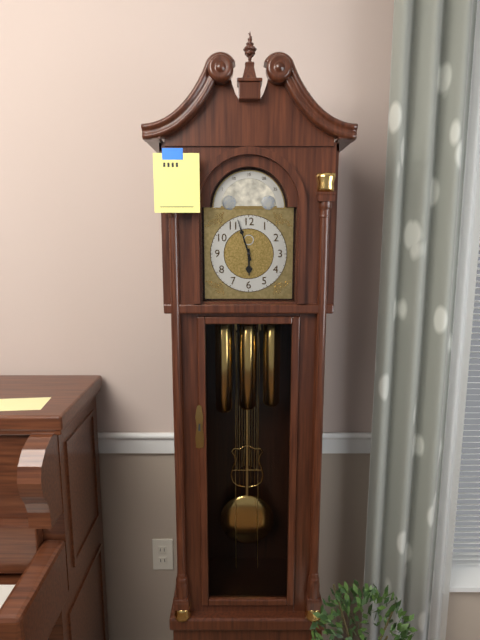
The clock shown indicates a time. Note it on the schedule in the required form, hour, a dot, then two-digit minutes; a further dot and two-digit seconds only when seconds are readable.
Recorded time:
5.57
